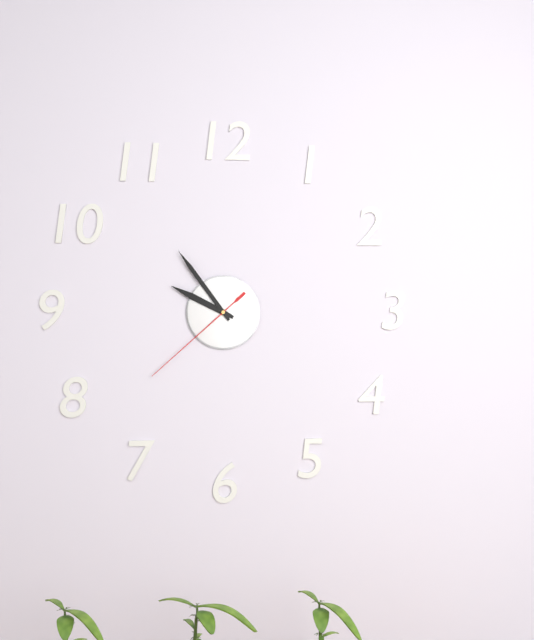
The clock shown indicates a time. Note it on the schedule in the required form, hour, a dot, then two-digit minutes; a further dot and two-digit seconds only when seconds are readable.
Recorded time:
9.54.38
